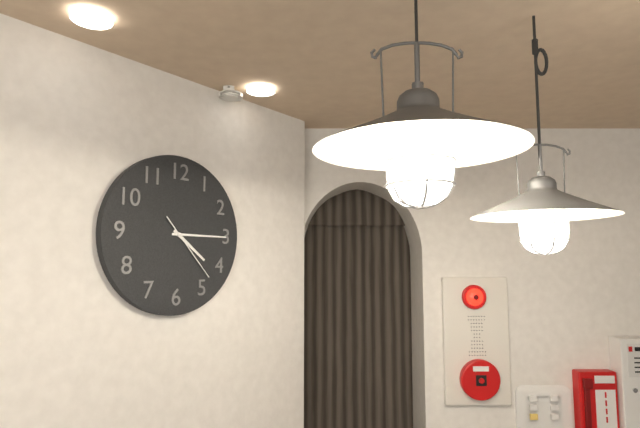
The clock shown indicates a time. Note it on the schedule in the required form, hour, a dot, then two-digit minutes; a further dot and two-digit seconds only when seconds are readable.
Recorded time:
4.15.23
